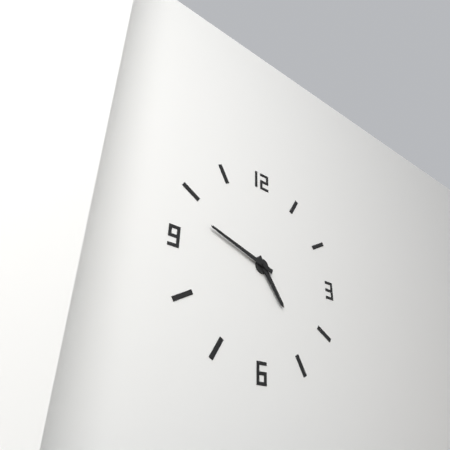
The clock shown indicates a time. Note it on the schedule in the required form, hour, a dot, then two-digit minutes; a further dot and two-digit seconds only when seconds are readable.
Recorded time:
4.48
